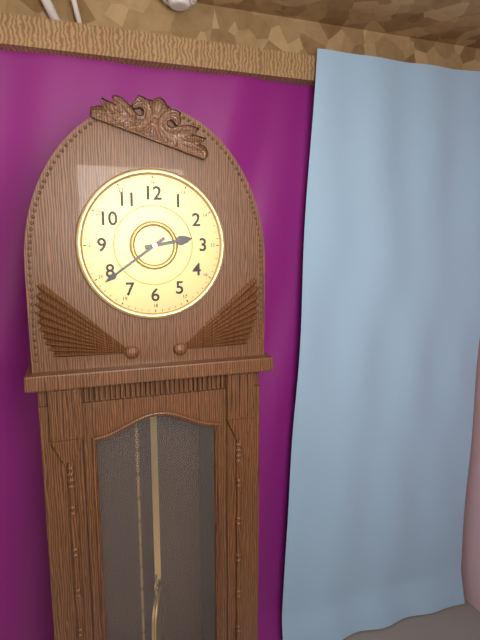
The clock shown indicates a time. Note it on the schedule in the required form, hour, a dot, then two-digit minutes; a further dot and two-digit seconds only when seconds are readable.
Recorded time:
2.39
